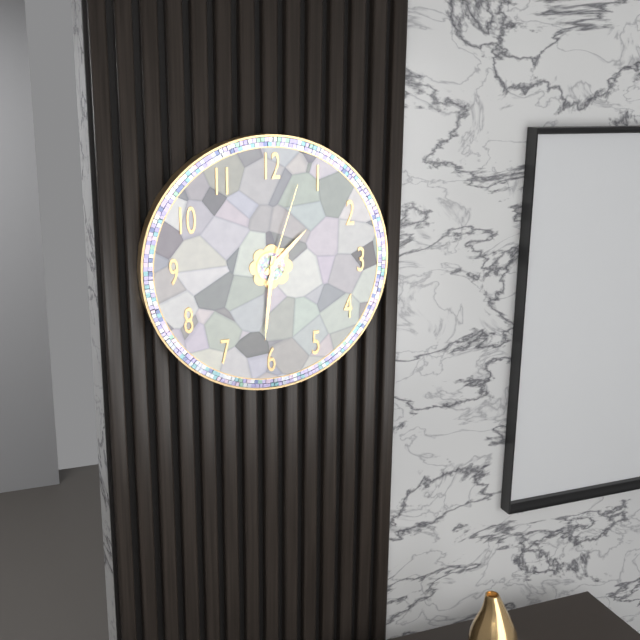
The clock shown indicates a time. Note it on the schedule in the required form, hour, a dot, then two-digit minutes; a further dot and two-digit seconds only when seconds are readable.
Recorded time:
1.31.03
